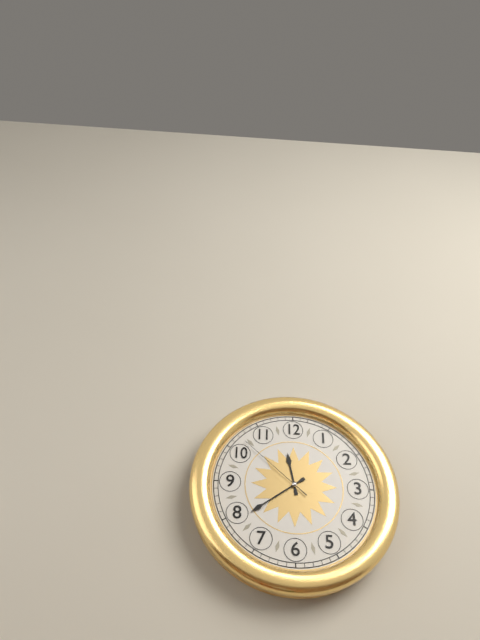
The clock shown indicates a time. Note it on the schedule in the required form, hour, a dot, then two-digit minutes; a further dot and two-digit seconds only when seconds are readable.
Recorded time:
11.39.52
